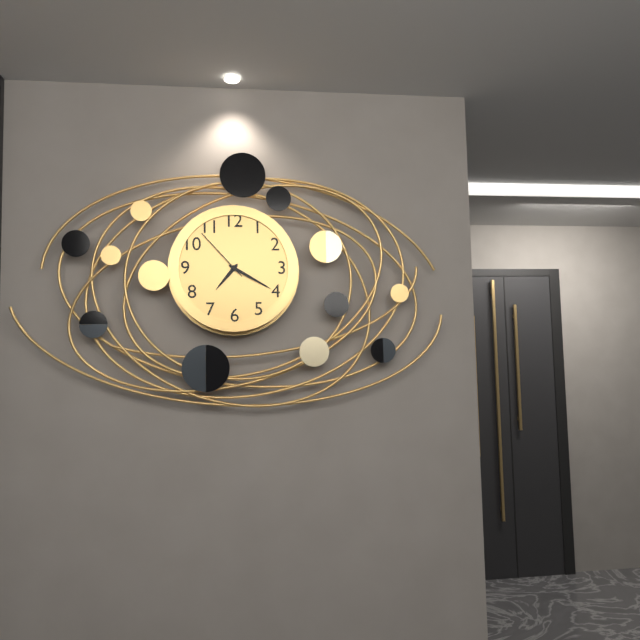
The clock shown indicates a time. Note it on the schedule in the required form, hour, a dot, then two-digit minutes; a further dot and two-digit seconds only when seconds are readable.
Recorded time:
7.20.53
